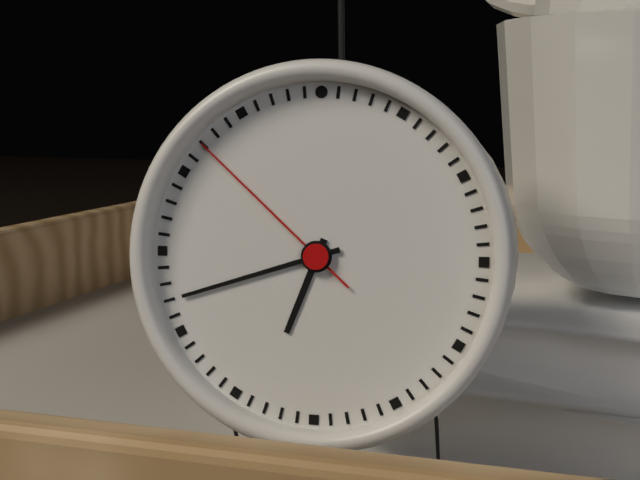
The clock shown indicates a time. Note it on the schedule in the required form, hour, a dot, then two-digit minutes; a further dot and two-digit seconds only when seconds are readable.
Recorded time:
6.42.52
